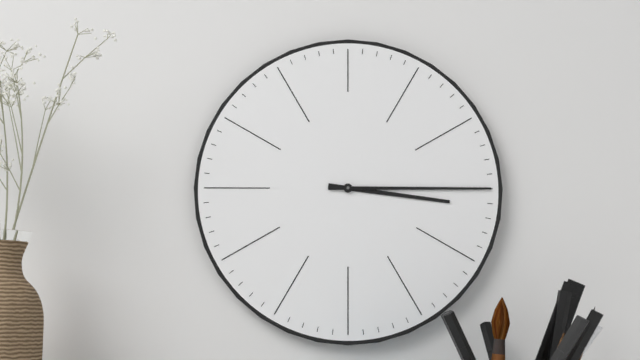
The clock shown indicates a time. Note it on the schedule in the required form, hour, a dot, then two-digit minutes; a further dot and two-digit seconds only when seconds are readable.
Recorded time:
3.15
